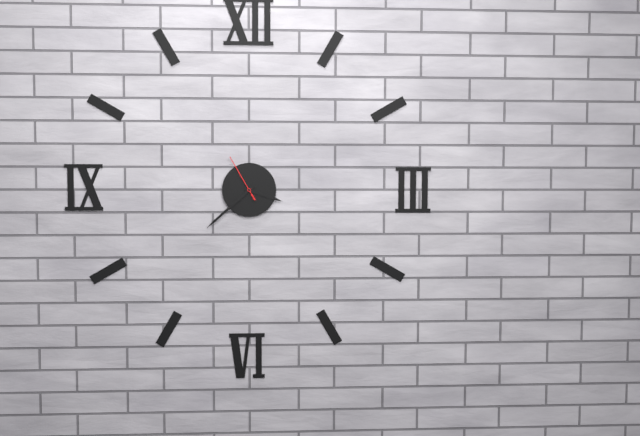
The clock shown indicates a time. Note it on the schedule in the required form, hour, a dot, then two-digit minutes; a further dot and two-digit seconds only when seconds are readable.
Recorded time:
3.38
